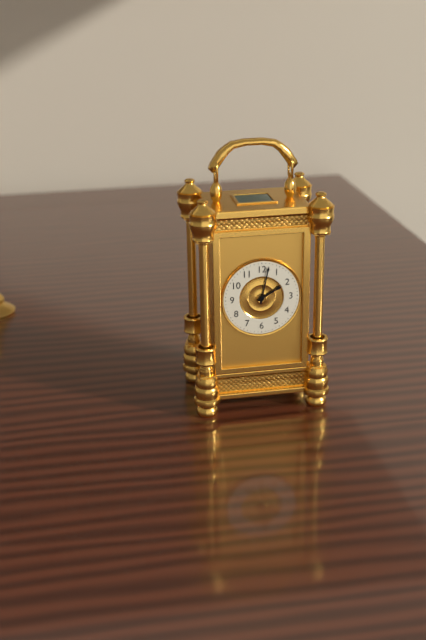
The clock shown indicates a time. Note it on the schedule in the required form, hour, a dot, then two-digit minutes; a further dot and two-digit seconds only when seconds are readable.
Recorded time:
2.02
